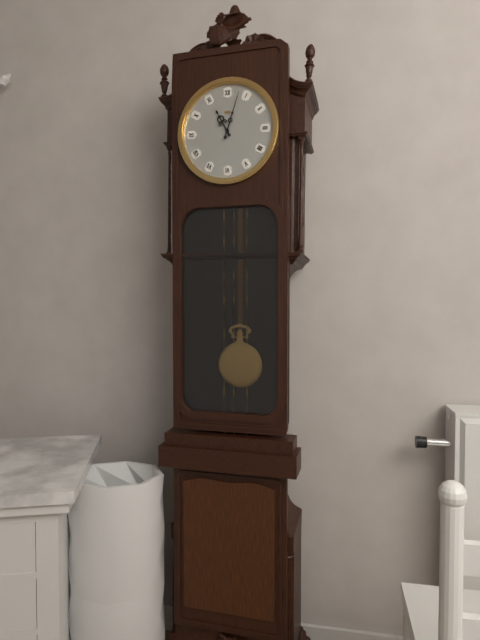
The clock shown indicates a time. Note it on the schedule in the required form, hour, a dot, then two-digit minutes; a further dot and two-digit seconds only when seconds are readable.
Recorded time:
11.03
